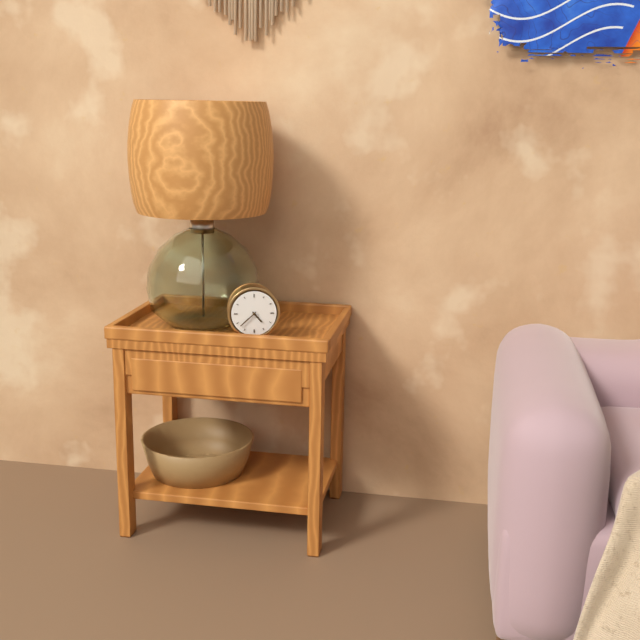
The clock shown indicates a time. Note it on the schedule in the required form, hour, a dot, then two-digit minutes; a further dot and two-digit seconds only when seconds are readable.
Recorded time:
4.38
